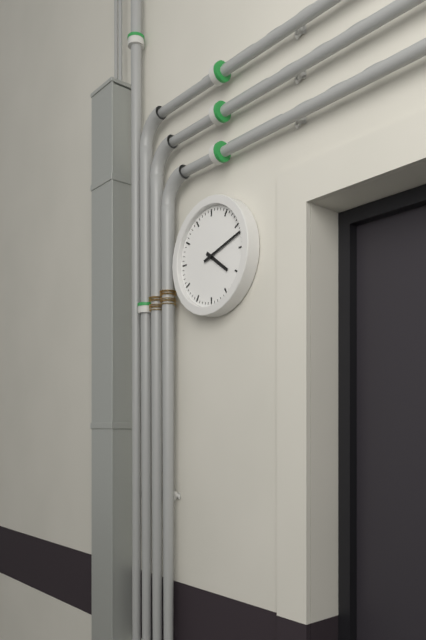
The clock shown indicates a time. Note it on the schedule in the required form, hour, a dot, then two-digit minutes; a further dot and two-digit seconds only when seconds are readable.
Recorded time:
4.12
